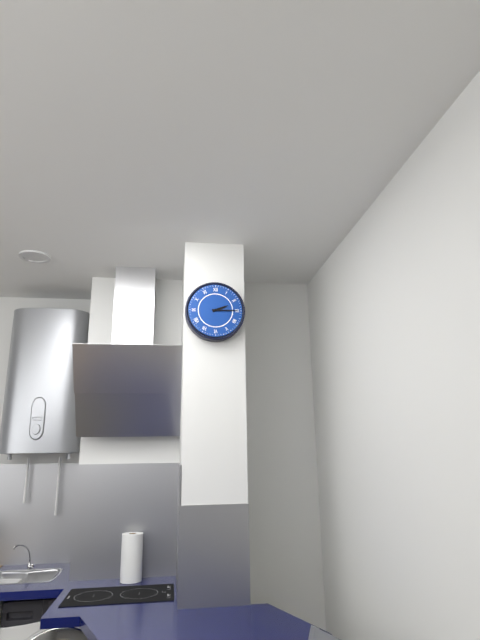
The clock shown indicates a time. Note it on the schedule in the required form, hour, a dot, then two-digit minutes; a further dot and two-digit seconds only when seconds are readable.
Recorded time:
2.15
